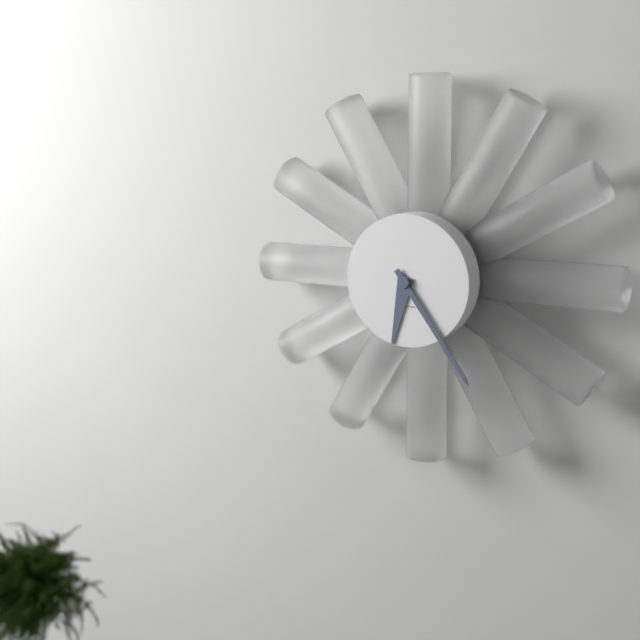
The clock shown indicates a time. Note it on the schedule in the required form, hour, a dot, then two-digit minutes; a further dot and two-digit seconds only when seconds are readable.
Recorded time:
6.24
